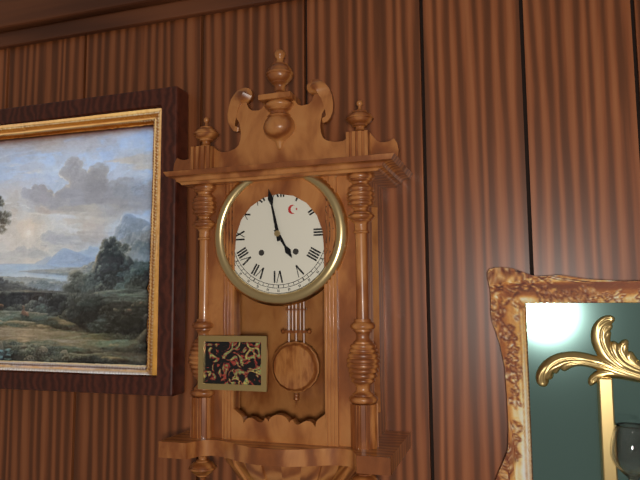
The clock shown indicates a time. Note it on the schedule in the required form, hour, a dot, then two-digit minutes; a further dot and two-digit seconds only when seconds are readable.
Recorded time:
4.58
